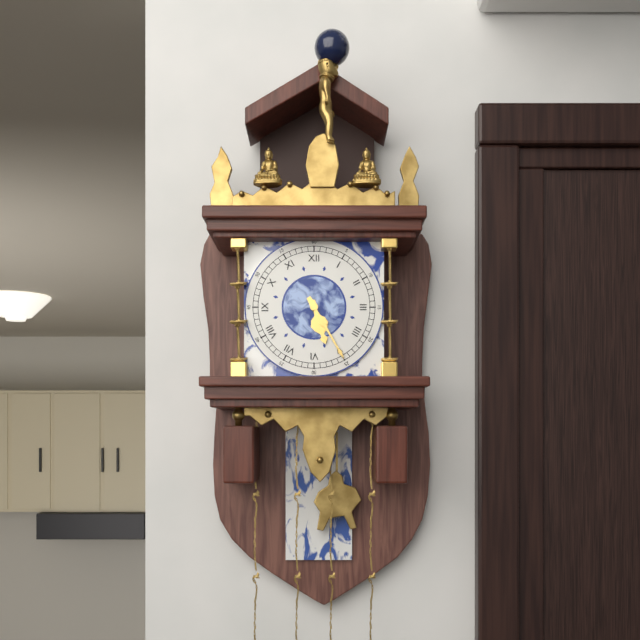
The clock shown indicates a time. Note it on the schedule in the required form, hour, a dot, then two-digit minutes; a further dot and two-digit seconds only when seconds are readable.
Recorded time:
5.25
